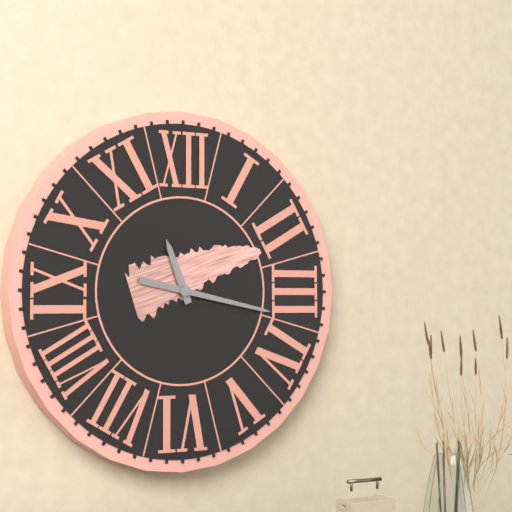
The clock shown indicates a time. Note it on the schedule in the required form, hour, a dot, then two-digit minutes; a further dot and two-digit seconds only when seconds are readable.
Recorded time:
11.17
